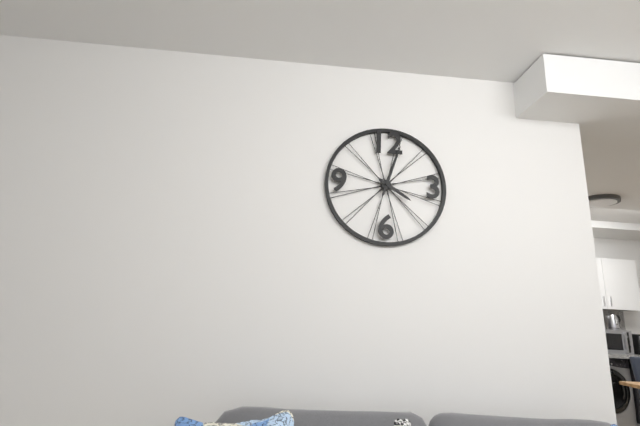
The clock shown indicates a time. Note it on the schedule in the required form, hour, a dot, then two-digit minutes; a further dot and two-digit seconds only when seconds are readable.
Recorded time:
4.03
